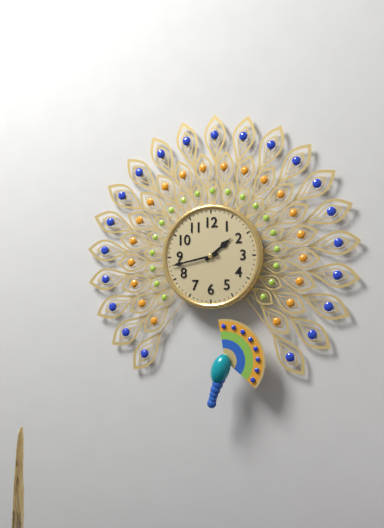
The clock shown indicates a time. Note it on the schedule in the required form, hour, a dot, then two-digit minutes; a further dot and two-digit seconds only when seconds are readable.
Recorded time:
1.43
